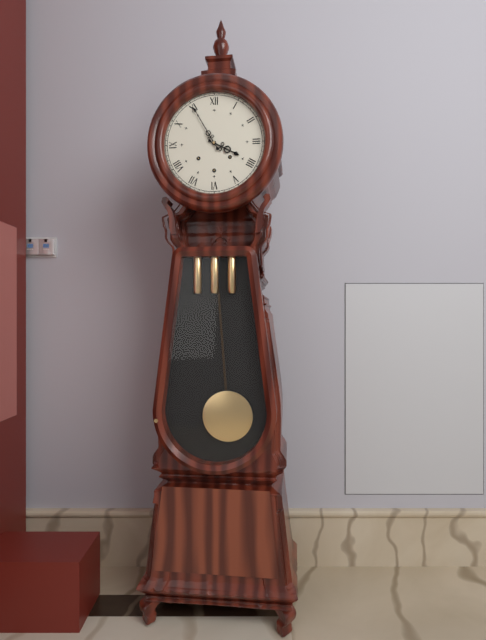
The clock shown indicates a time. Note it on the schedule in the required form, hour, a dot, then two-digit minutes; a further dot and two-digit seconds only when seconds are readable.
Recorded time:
3.55
